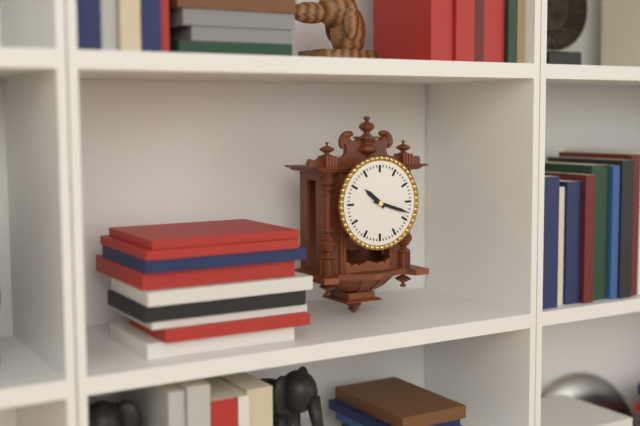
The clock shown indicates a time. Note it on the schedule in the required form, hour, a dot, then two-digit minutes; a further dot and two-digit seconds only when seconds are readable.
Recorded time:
10.18
